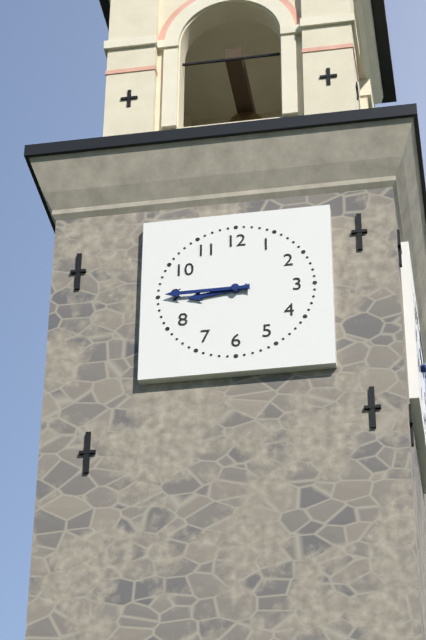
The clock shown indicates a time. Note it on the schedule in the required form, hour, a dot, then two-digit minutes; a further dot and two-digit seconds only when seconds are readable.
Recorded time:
8.45
